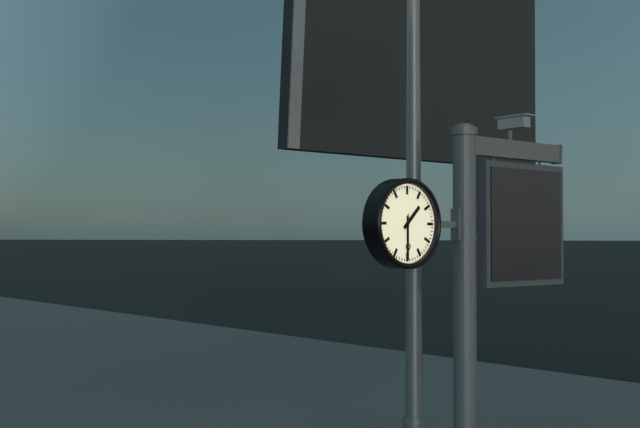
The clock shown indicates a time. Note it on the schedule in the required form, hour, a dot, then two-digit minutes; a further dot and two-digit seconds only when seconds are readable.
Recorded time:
1.30
